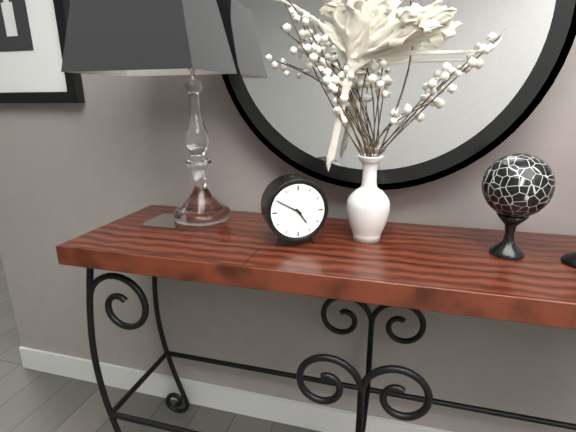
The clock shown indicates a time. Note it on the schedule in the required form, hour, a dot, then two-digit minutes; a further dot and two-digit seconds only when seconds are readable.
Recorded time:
4.50
